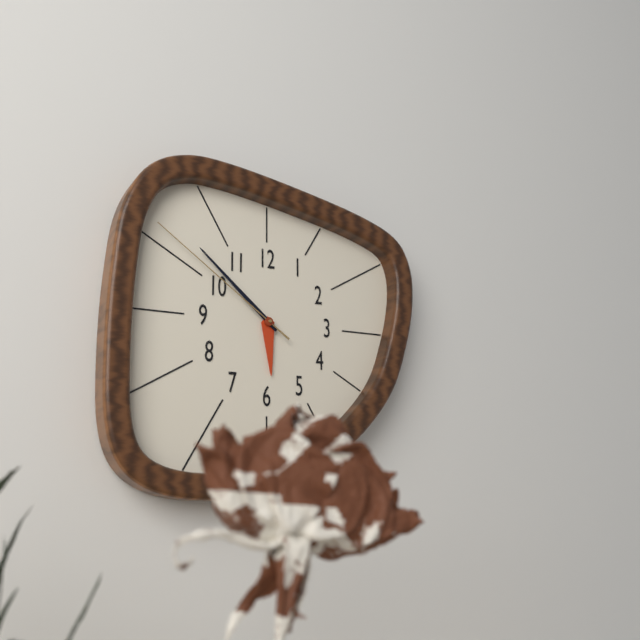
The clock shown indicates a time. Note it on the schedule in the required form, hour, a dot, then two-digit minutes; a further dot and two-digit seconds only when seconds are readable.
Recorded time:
5.52.51
